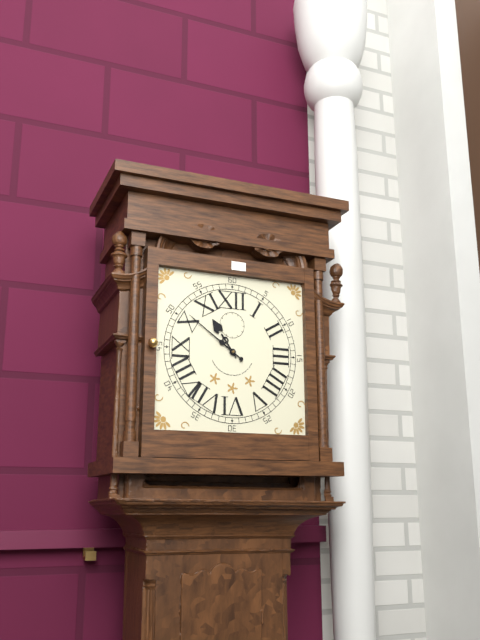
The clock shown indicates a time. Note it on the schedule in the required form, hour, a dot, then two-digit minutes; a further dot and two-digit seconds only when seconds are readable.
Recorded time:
10.51
